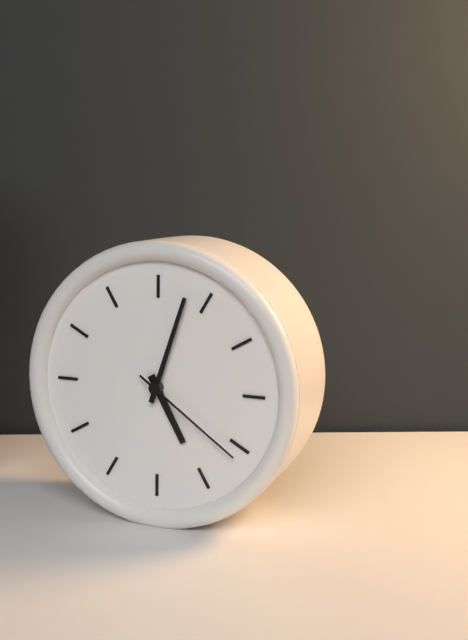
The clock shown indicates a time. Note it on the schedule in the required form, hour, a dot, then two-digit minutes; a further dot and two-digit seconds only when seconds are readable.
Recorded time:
5.03.21
